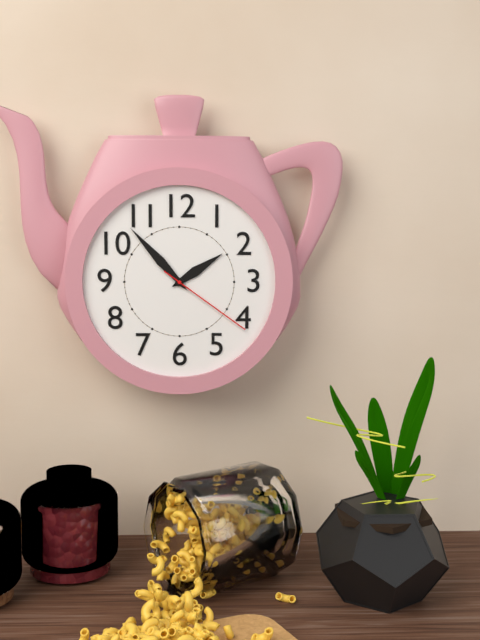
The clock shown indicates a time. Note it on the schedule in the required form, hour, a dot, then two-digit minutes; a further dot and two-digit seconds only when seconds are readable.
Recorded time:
1.53.21
